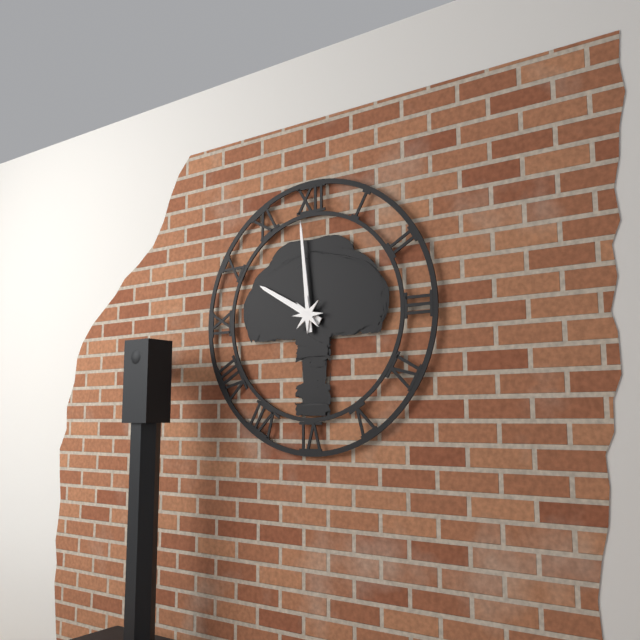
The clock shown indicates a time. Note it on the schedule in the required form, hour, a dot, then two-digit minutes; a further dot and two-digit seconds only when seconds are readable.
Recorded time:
9.59
